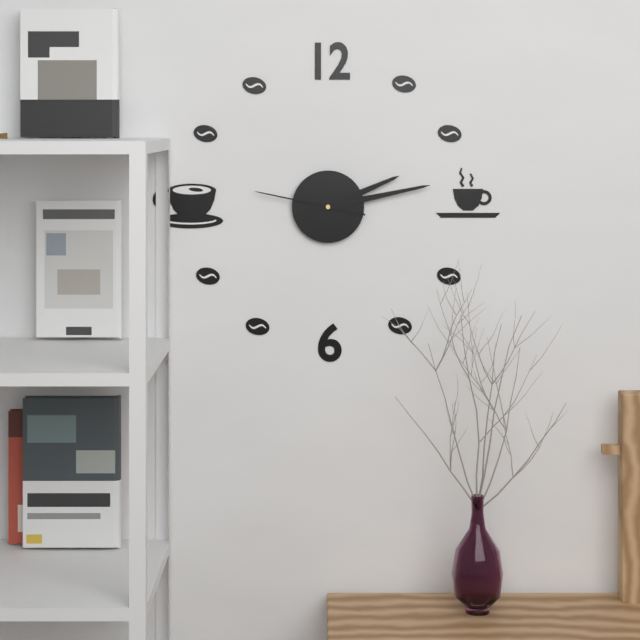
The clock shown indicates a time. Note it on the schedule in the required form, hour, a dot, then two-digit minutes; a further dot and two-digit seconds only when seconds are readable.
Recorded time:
2.13.47
